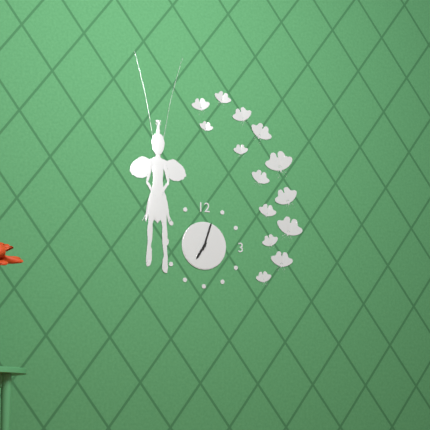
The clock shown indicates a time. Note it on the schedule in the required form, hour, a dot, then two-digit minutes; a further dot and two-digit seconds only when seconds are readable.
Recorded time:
7.03
